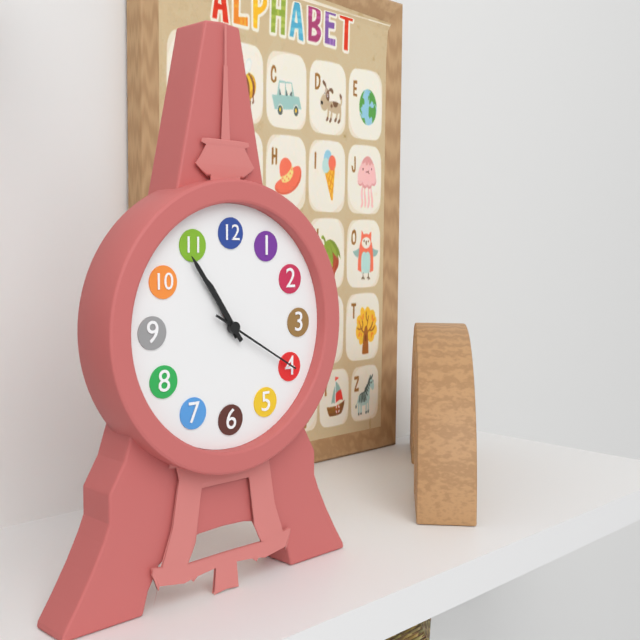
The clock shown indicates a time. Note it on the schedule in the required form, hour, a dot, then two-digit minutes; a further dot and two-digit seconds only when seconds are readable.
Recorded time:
10.54.20
